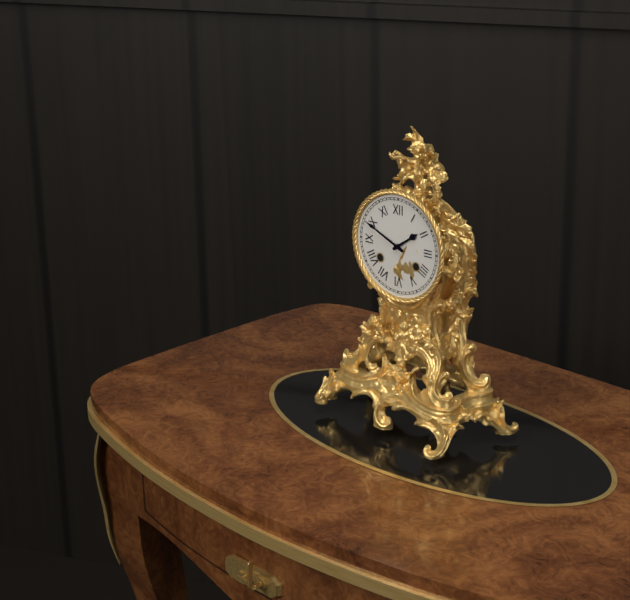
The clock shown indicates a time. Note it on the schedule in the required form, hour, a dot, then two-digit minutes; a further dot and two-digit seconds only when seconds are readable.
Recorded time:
1.49
